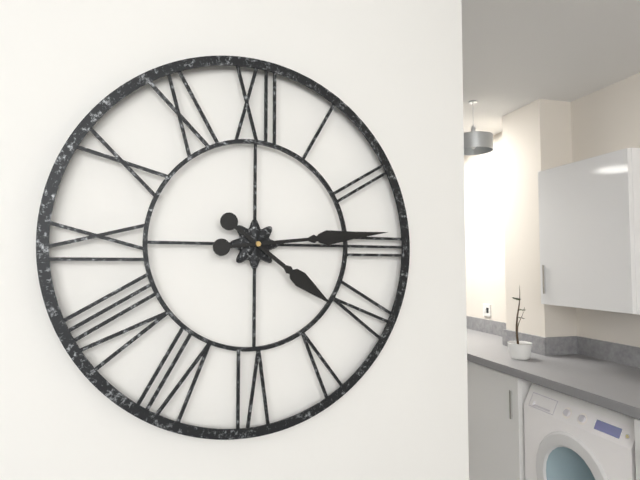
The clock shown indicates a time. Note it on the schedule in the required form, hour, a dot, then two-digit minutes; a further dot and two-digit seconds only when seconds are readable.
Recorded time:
4.14
